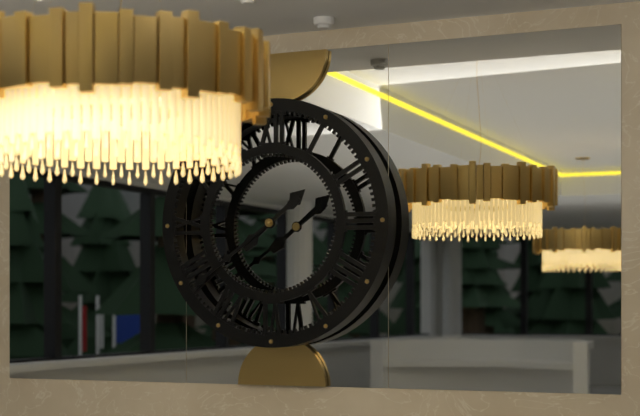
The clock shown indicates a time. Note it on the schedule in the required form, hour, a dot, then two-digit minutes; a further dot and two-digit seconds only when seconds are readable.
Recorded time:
1.39
